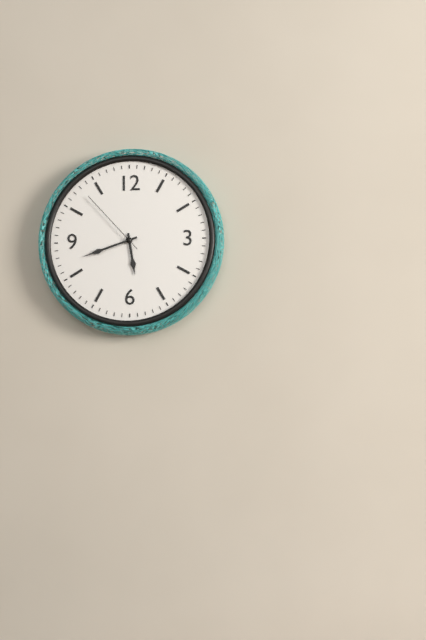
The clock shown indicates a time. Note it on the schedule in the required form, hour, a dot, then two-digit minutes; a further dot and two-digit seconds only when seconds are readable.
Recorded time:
5.42.53
